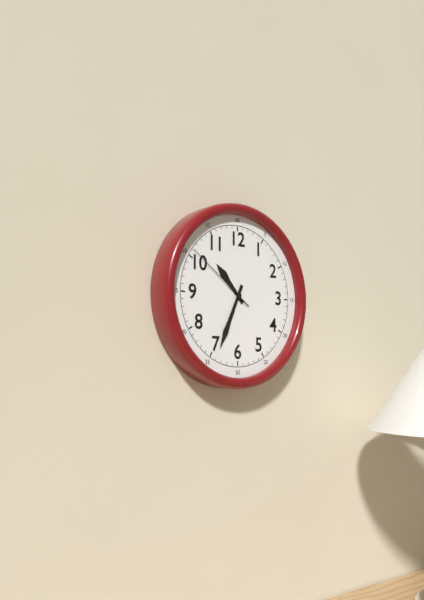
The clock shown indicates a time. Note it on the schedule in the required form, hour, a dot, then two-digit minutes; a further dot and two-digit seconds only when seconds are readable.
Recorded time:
10.34.51
